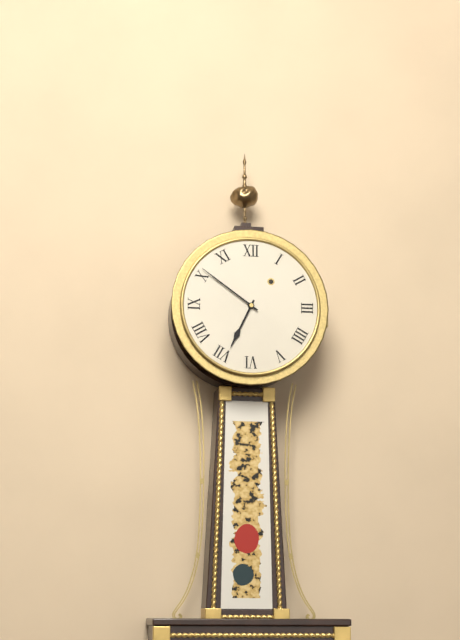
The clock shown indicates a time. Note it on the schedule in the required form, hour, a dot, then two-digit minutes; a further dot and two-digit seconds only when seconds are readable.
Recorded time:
6.51
